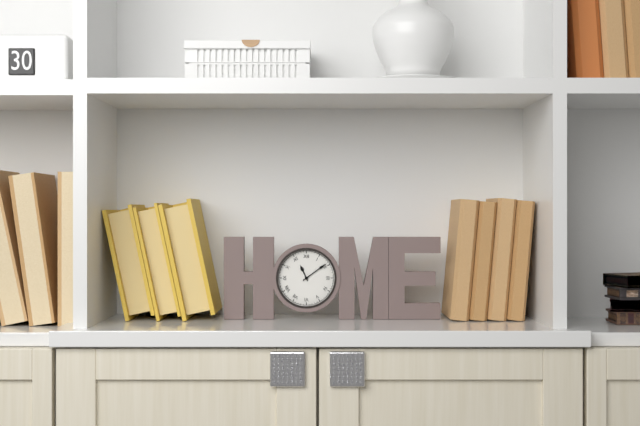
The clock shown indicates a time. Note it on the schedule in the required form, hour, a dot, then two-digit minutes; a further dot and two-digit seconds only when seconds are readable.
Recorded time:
11.09
